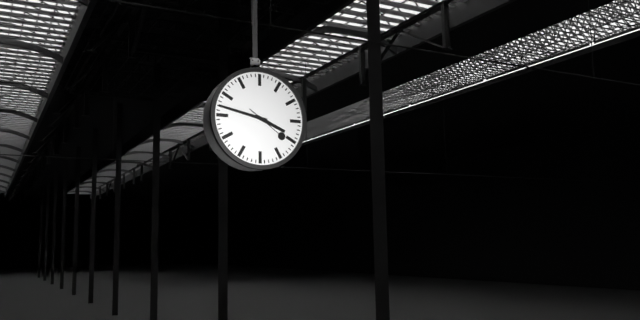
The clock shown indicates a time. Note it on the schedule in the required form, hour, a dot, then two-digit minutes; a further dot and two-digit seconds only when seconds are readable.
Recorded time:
3.47
